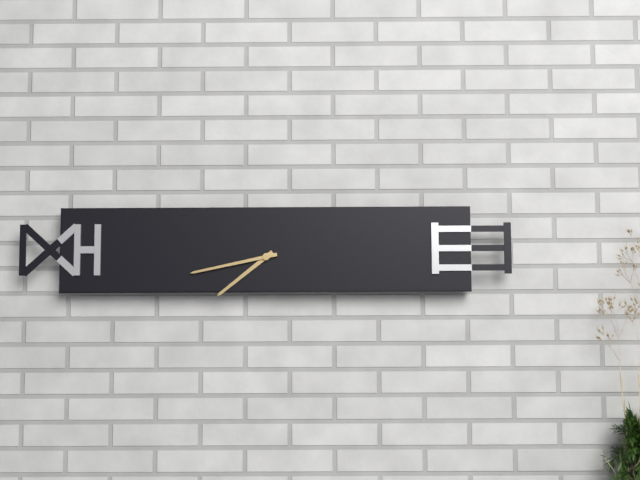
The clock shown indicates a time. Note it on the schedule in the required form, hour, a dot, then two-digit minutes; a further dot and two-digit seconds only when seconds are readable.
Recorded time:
7.43
